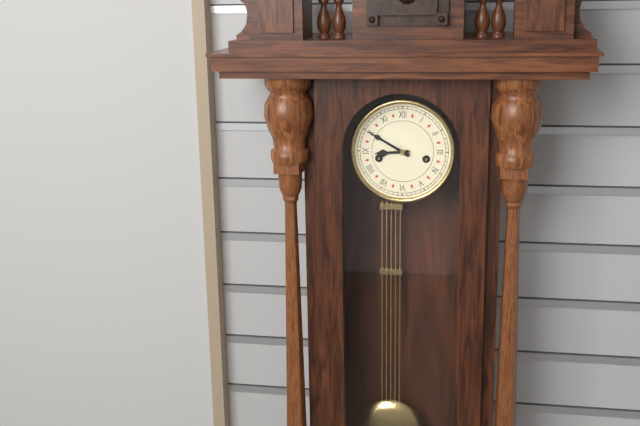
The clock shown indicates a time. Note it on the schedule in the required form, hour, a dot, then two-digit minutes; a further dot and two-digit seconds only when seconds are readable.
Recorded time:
8.50
